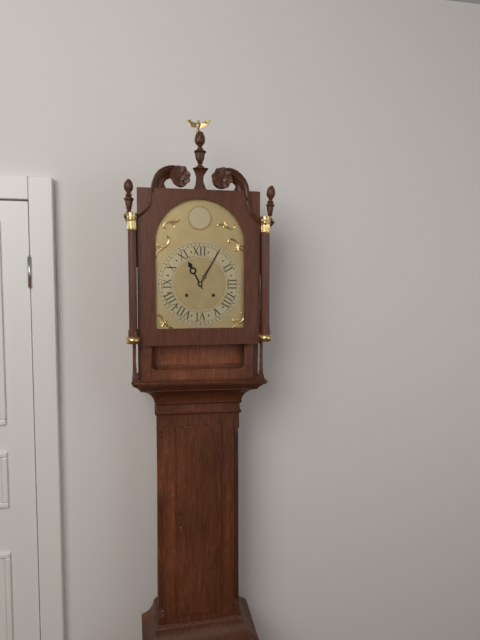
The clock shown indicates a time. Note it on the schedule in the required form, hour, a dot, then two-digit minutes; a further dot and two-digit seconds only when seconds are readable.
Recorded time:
11.05
